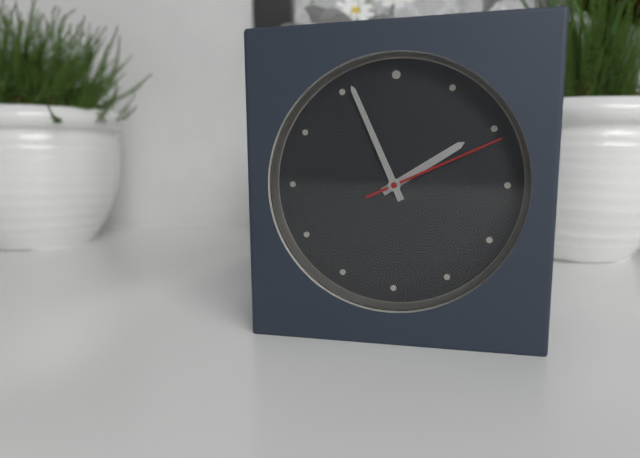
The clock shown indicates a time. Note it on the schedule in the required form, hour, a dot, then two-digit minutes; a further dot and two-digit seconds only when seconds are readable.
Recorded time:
1.56.11
